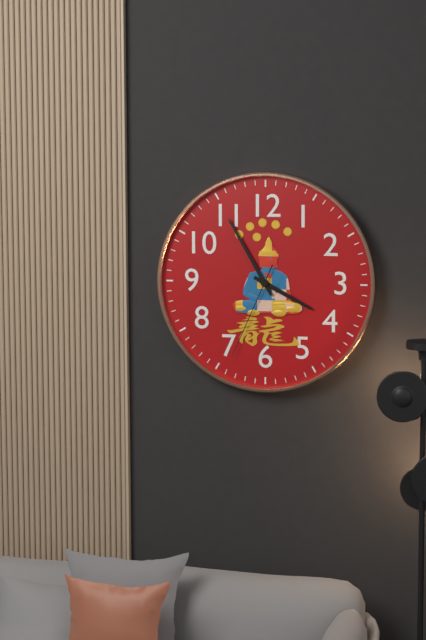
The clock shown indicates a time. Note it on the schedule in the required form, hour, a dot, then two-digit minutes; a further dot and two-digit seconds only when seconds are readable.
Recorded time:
3.55.34
